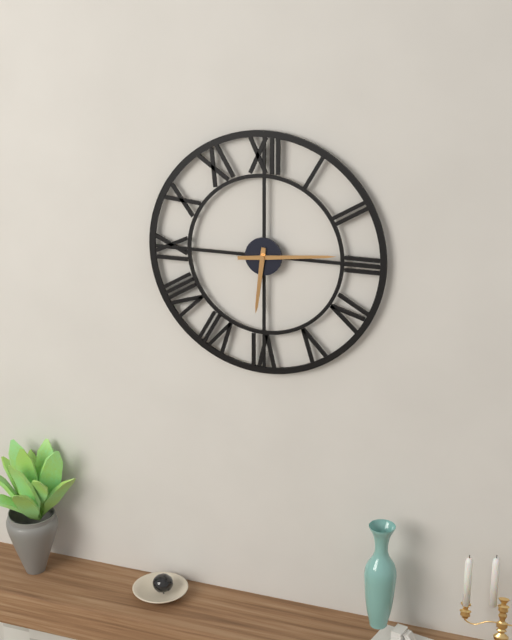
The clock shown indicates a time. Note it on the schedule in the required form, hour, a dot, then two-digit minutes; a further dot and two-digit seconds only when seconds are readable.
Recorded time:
6.14
